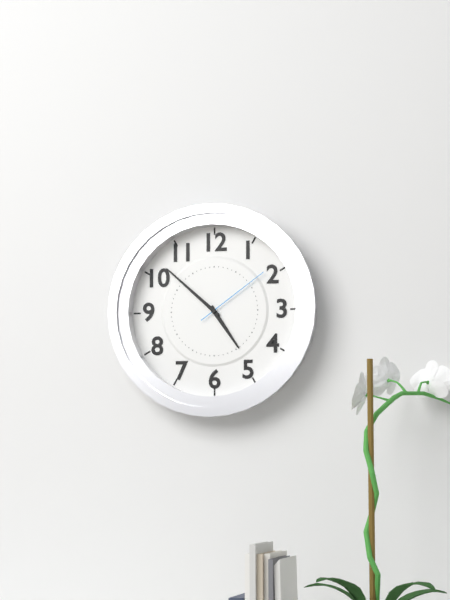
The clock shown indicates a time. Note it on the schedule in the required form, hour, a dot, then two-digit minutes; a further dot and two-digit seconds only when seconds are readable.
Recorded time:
4.52.09
